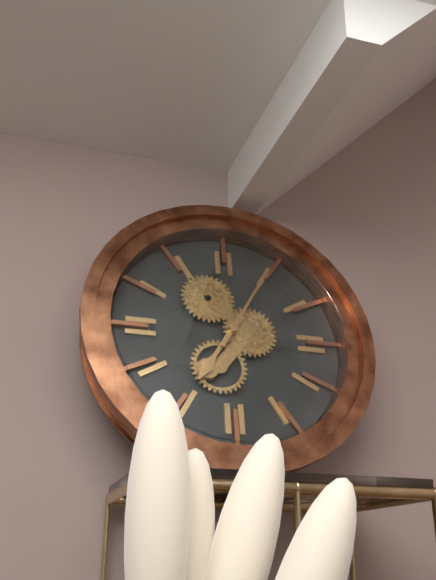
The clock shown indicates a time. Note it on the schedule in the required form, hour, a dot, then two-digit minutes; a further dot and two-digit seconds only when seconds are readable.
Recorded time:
7.05
